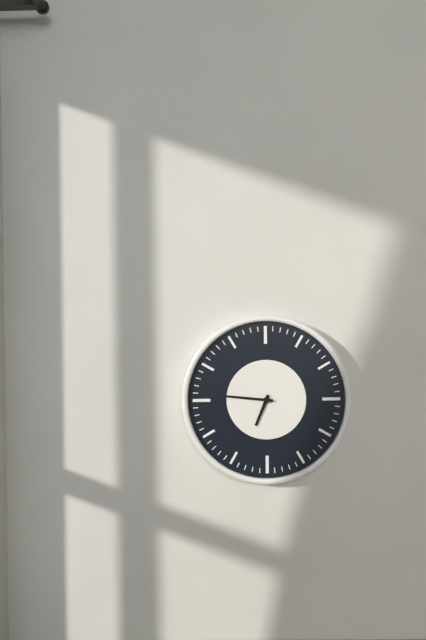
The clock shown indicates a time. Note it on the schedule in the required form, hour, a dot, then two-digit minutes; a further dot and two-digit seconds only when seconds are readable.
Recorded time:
6.46
